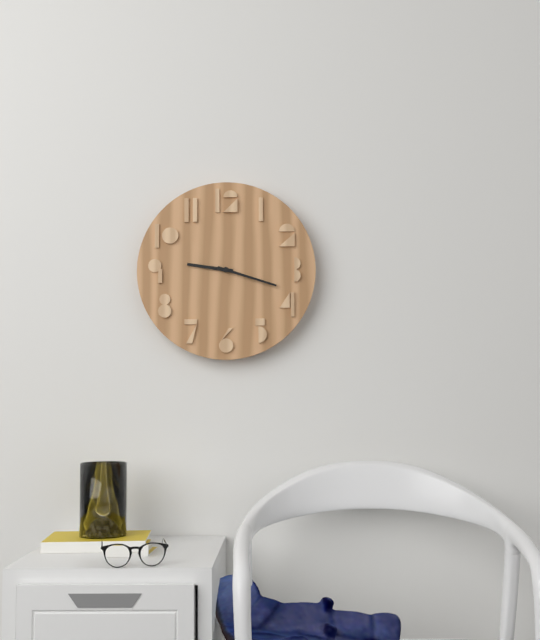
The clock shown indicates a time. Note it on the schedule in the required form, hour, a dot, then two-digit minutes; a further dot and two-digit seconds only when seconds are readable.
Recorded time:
9.18
